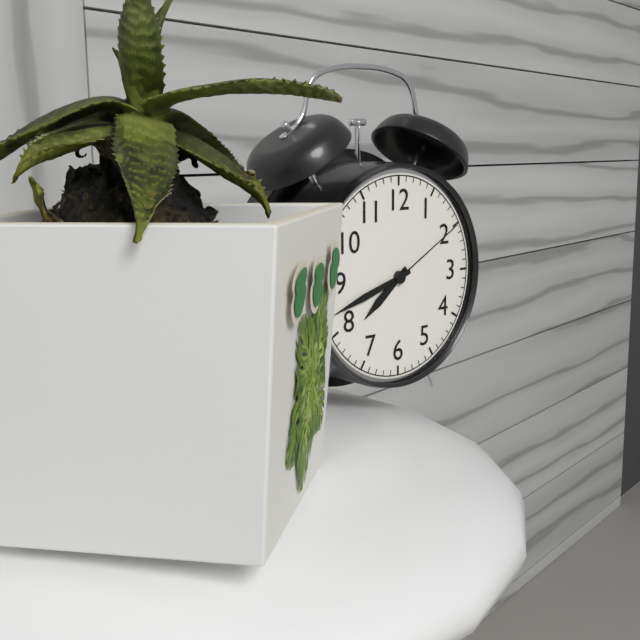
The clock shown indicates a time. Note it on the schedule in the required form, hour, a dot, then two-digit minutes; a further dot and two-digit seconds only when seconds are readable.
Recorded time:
7.42.10
